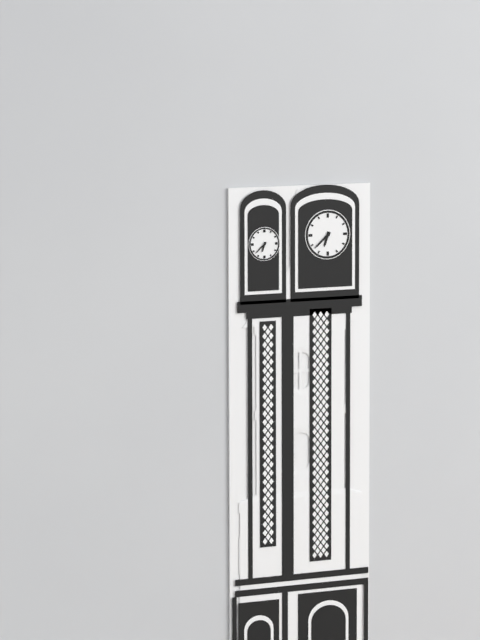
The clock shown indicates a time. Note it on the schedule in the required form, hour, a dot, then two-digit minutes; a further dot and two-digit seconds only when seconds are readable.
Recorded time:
6.38
